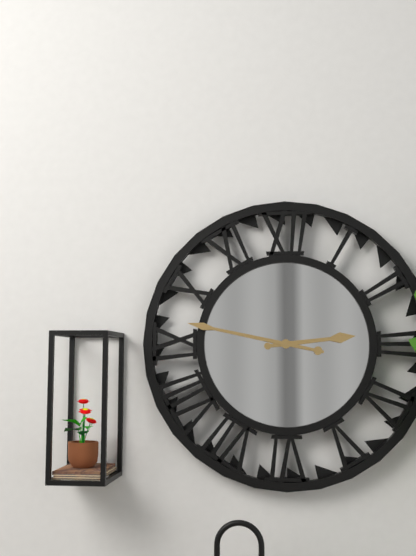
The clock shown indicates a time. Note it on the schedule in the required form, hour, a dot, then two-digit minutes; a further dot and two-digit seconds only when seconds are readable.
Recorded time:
2.47
